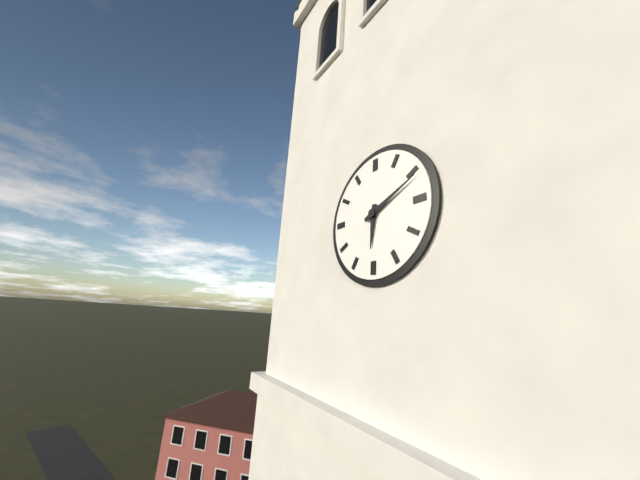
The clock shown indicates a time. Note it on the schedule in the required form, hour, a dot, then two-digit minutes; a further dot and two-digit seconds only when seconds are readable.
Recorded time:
6.11
